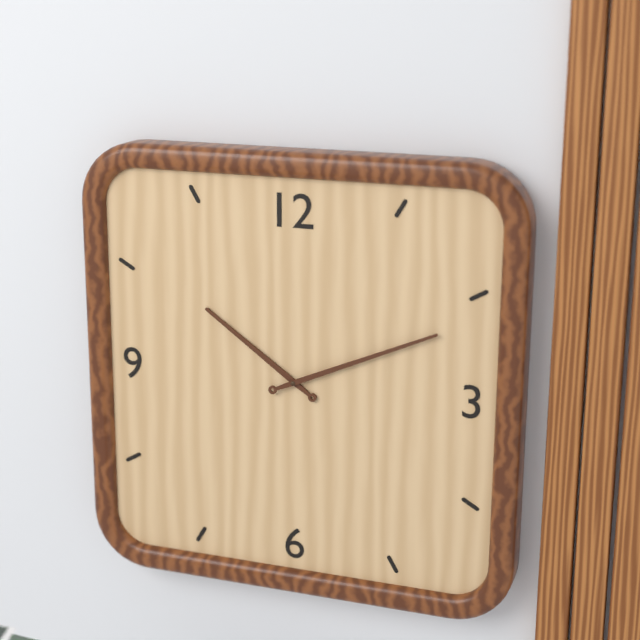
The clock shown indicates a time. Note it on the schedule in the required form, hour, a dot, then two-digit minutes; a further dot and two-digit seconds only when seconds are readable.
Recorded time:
10.11
